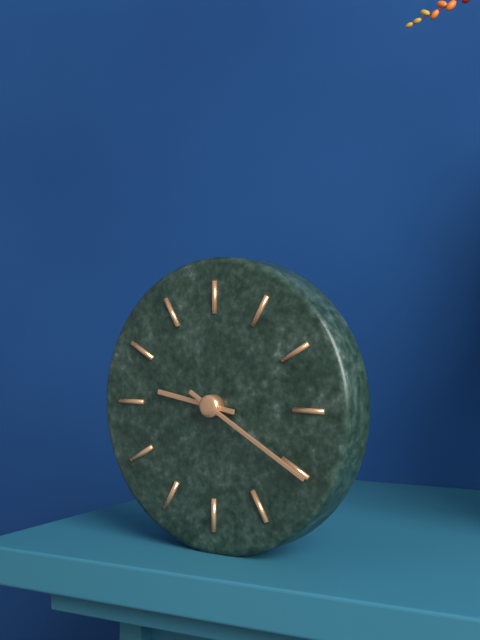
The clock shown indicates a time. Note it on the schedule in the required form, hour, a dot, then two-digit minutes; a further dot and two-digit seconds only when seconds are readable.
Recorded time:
9.20
